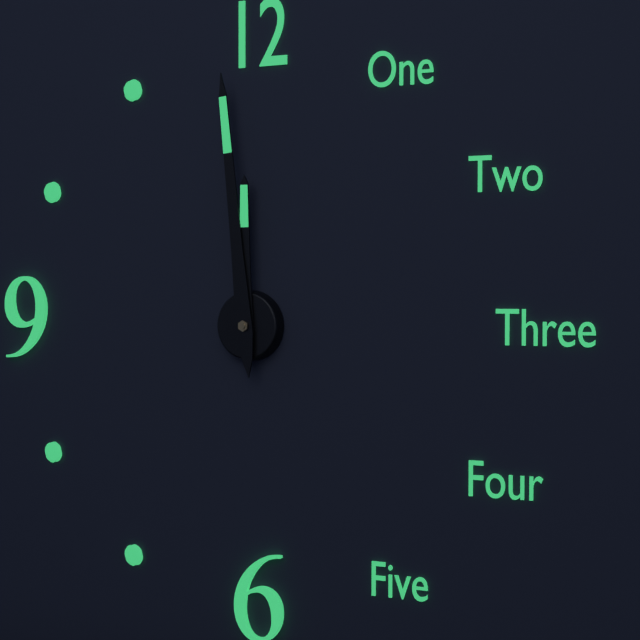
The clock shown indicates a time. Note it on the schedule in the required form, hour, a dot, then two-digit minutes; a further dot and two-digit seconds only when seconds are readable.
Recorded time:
11.59
